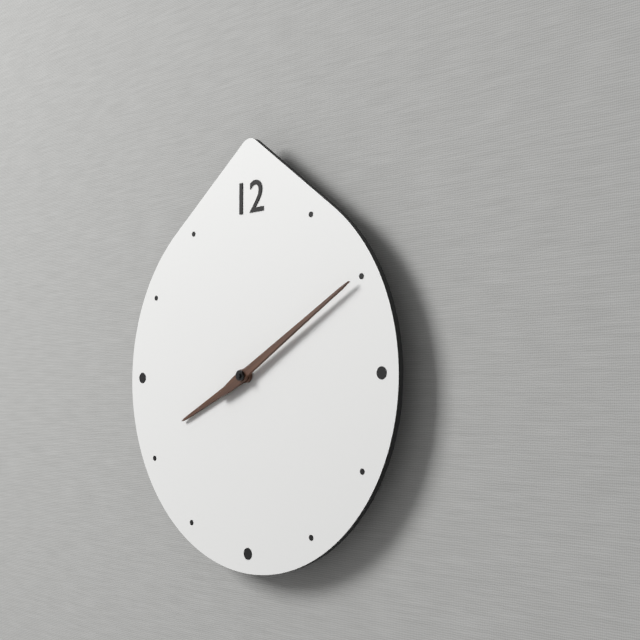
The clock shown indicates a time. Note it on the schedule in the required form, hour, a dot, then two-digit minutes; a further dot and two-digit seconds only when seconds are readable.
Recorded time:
8.10
